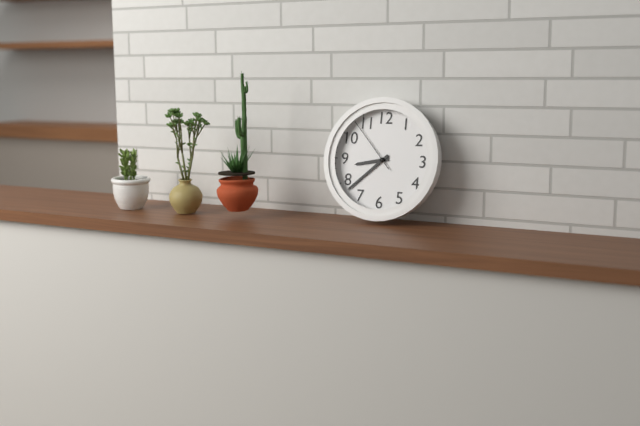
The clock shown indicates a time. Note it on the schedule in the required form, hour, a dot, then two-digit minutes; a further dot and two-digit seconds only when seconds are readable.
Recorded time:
8.38.53
